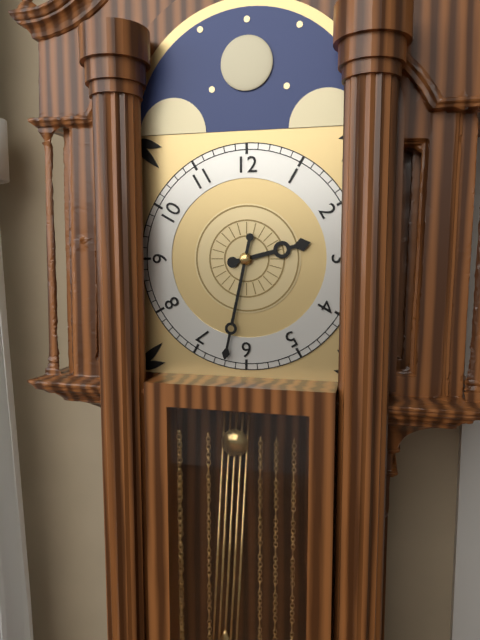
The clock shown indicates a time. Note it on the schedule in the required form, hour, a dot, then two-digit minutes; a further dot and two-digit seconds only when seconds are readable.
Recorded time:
2.32
